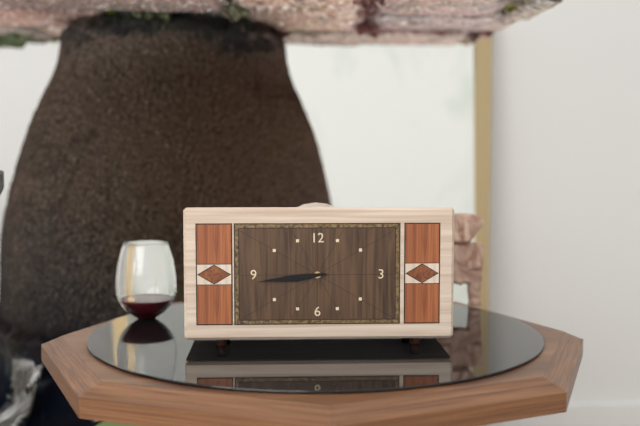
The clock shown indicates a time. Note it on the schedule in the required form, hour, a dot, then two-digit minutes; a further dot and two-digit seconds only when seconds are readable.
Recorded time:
8.44
